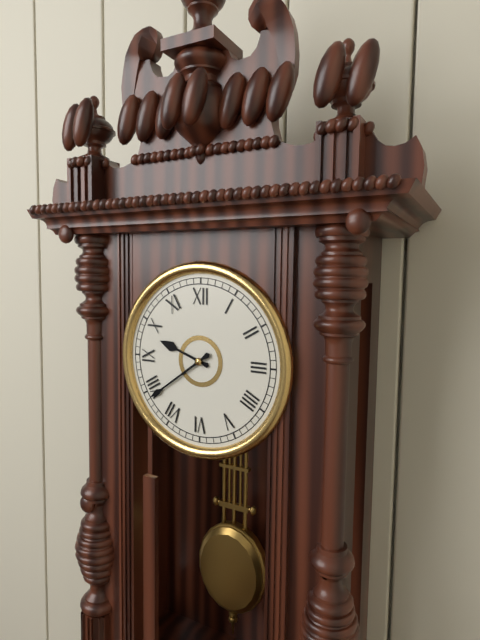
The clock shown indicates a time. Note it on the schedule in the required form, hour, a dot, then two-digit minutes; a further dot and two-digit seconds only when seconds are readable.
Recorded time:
9.39
